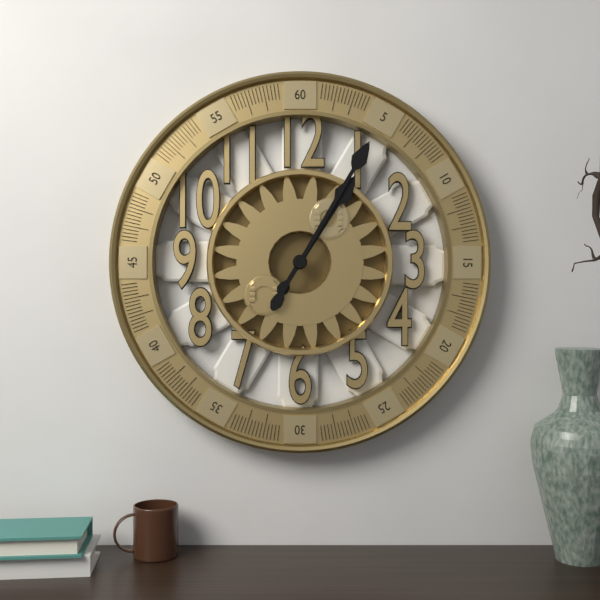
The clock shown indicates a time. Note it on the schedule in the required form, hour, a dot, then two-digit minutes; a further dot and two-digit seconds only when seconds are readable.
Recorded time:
1.05
